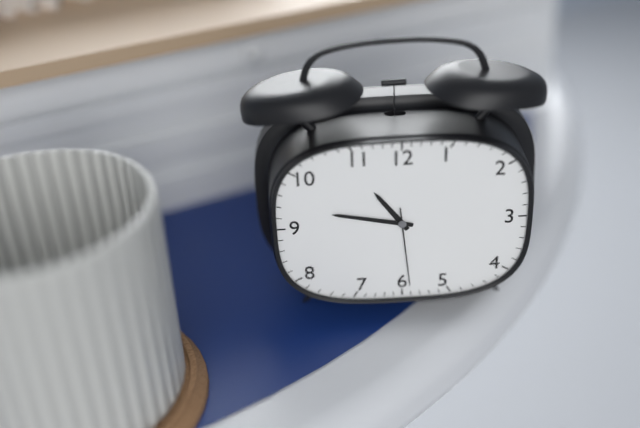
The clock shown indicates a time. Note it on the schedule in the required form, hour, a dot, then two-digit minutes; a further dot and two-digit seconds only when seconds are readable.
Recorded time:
10.47.29
